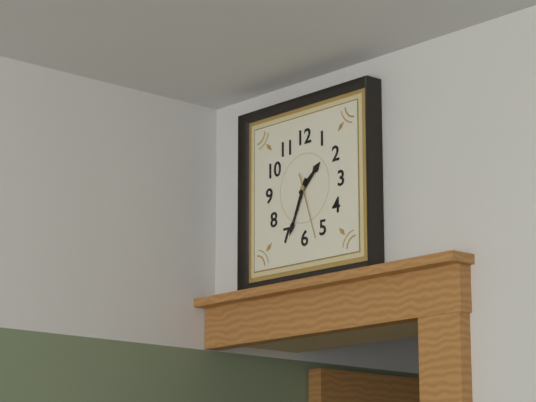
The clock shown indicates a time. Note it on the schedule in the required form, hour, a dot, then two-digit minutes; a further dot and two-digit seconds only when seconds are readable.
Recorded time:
1.34.27
